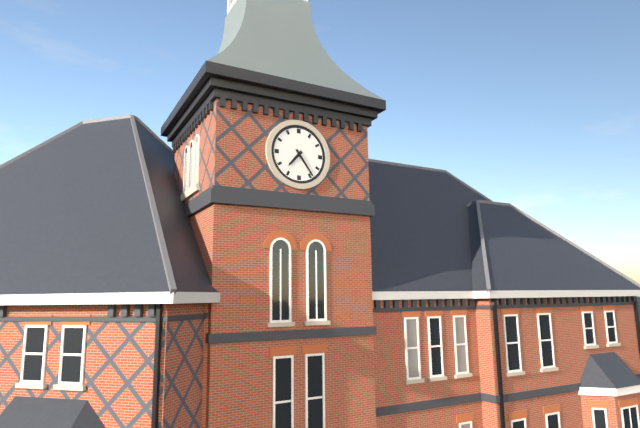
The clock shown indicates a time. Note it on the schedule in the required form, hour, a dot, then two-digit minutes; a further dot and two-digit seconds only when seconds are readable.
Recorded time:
7.24
